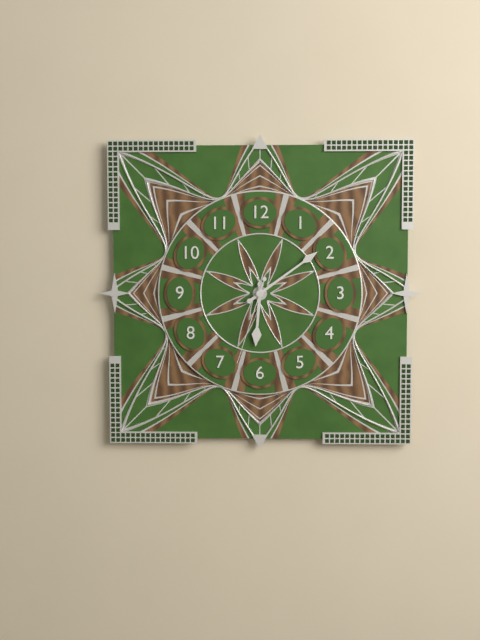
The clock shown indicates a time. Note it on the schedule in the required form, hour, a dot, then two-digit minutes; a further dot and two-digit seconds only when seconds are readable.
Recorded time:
6.09.33
